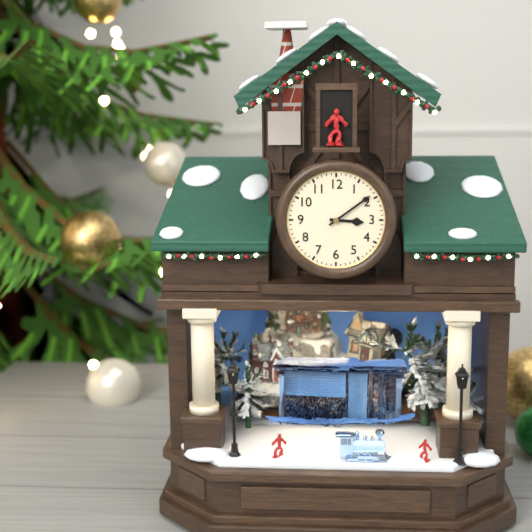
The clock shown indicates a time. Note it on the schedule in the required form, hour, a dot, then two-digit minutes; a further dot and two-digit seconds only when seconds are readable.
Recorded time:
3.09
